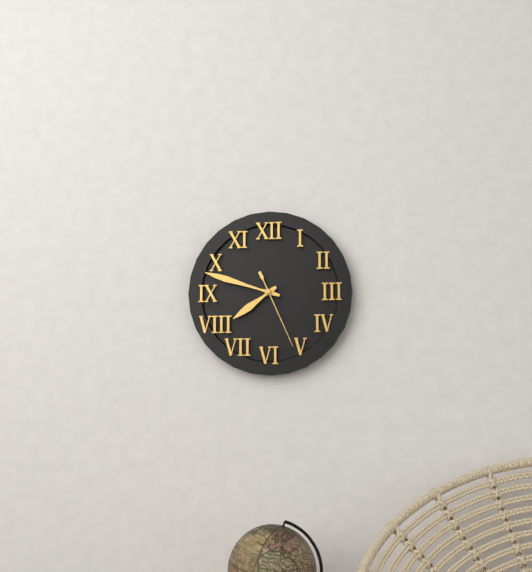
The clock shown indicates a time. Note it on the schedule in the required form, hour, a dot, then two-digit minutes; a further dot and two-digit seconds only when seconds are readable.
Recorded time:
7.48.26
